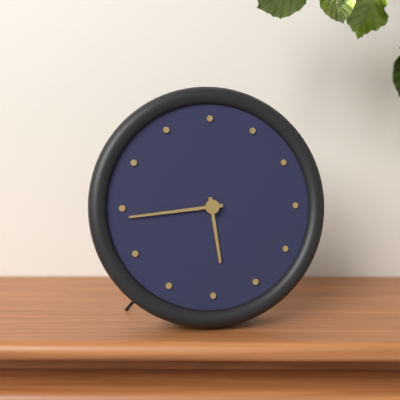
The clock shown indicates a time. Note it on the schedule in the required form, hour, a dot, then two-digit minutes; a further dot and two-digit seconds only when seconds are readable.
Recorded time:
5.44
